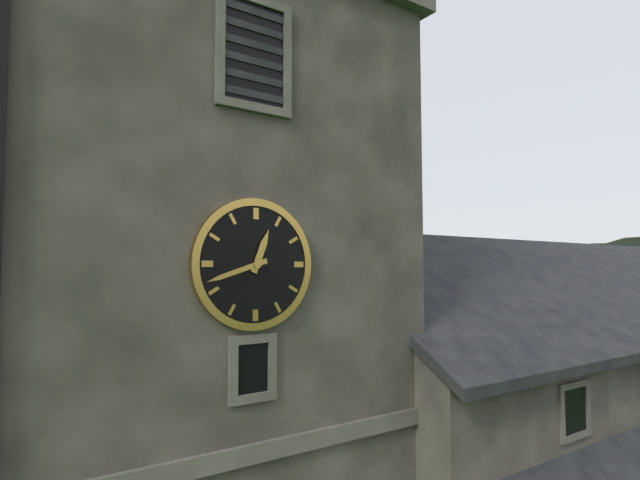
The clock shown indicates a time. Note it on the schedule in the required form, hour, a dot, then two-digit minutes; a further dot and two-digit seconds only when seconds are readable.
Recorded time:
12.42
